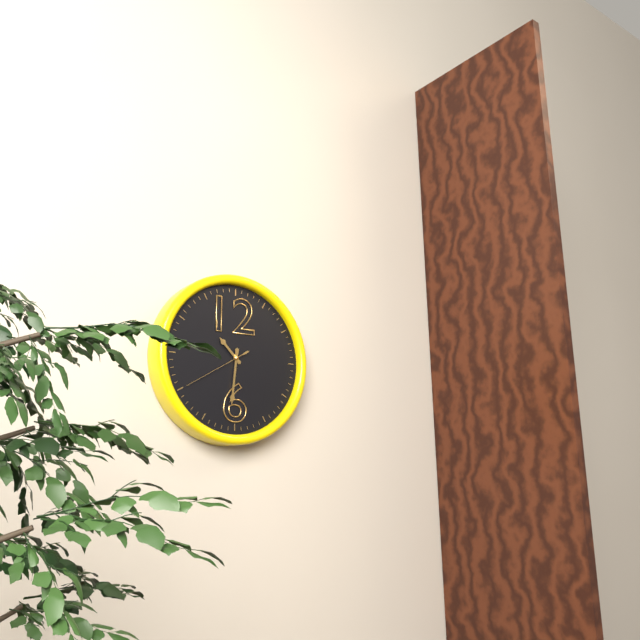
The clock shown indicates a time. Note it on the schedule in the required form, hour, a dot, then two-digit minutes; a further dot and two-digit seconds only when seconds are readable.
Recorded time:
10.31.40
